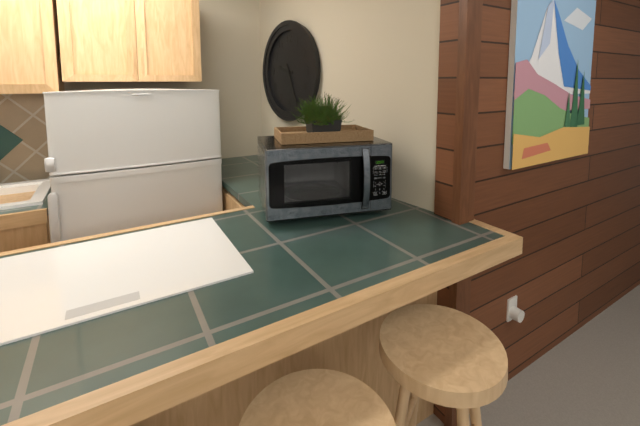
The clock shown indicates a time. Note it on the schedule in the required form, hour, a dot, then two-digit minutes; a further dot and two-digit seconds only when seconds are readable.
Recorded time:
9.26
